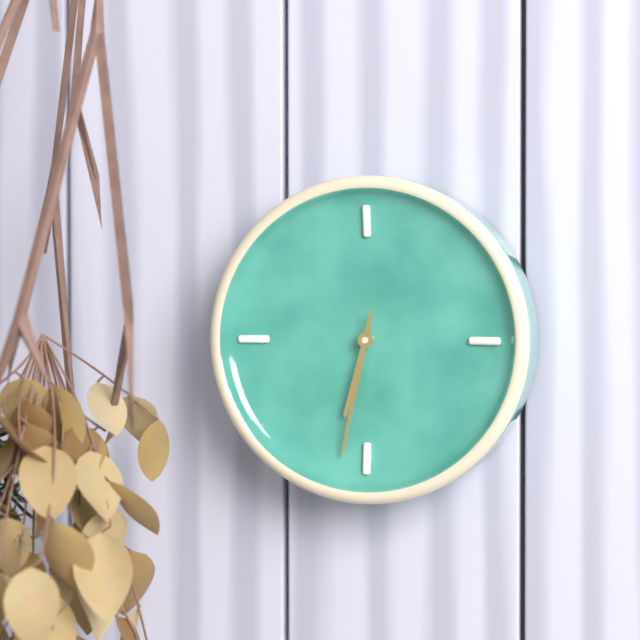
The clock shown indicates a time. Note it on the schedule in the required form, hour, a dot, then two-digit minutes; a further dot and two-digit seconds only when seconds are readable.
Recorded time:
6.32
